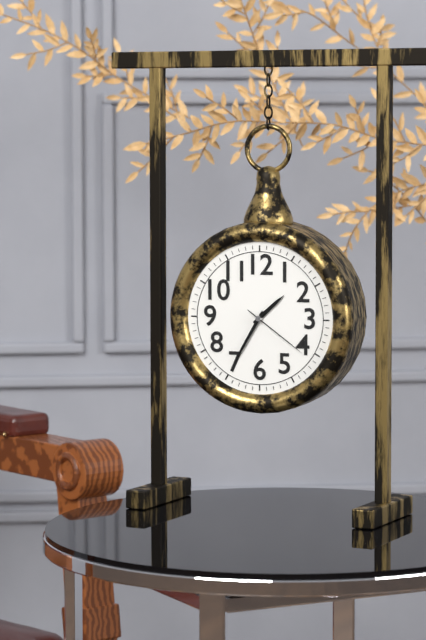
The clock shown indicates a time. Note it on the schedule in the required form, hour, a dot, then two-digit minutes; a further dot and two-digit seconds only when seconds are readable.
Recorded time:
1.35.21
